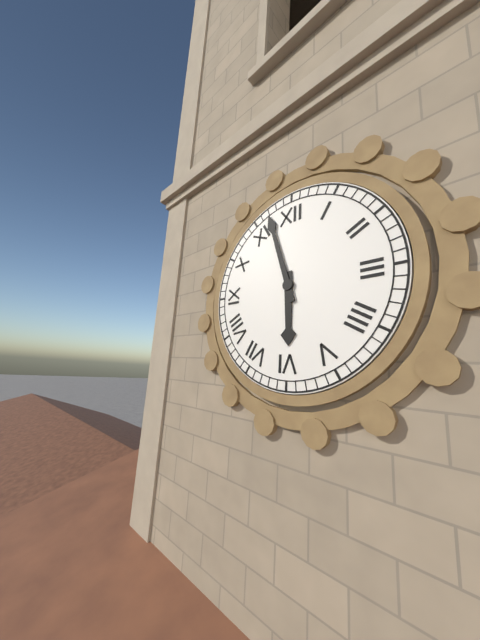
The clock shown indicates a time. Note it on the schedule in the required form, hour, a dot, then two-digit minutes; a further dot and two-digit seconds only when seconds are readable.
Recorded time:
5.57
